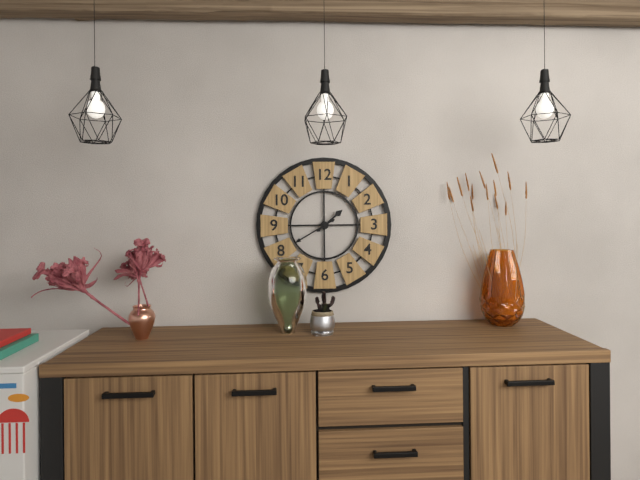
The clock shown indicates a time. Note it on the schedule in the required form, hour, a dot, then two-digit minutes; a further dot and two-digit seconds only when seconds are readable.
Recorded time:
1.40
